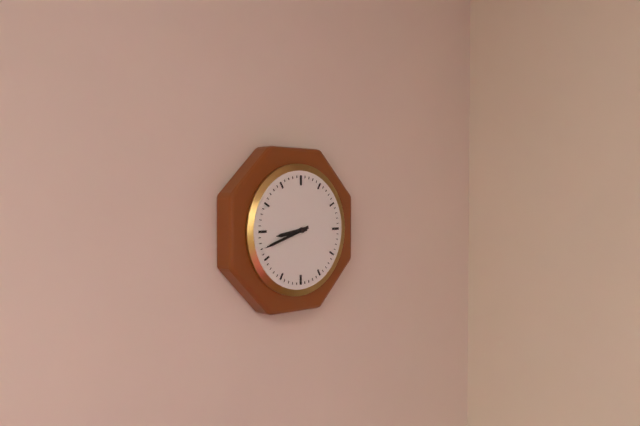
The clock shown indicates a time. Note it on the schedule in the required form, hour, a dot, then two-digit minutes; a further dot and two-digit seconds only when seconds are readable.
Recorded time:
8.42
